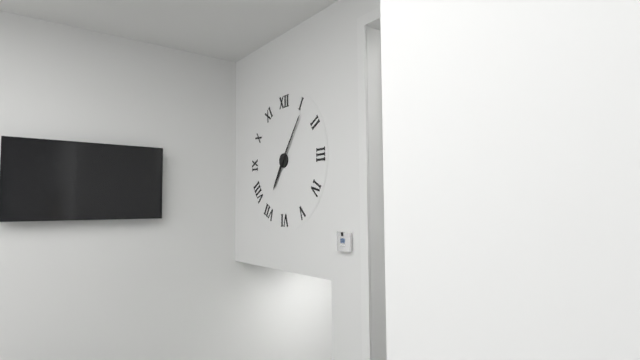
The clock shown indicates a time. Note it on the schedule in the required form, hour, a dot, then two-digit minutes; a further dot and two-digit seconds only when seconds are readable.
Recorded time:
7.06
